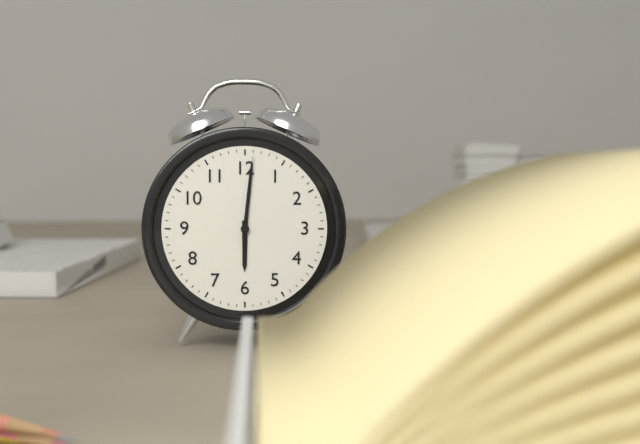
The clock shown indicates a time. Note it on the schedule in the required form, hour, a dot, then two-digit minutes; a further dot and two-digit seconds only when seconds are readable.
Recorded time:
6.01.01
